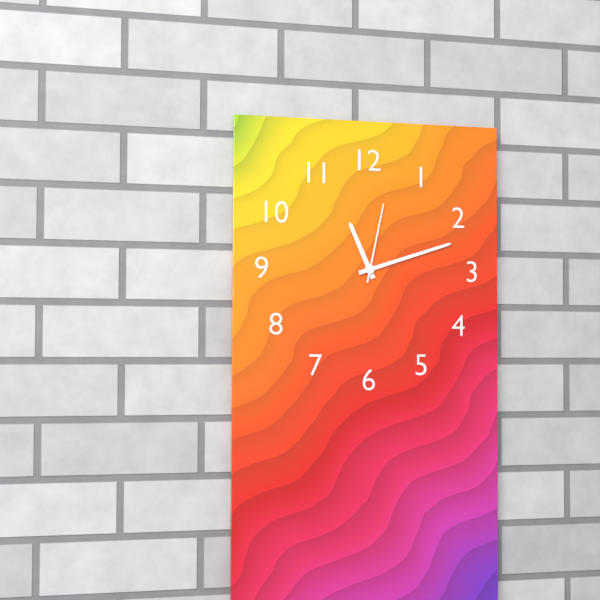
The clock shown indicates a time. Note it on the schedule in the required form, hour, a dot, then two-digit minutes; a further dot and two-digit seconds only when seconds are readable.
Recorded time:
11.12.02
